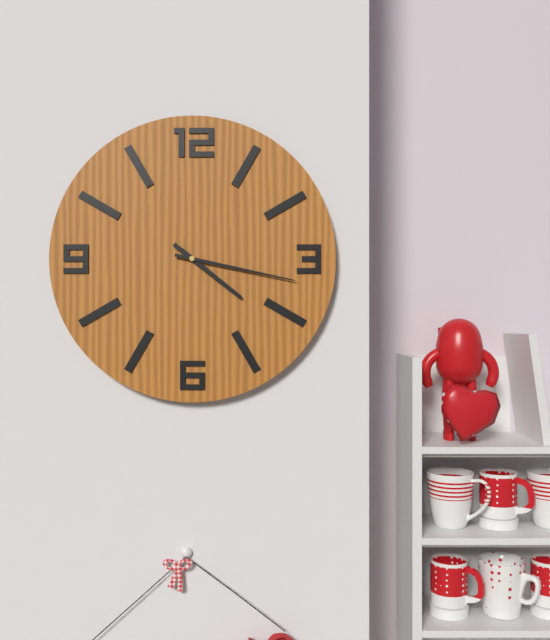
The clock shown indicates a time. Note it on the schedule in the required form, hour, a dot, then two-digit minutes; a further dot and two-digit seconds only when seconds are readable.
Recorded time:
4.17
